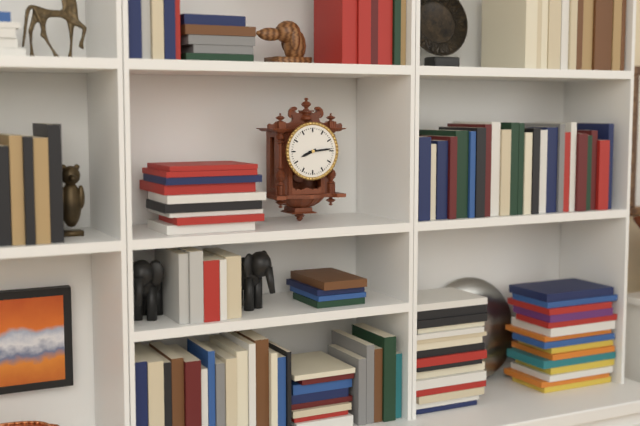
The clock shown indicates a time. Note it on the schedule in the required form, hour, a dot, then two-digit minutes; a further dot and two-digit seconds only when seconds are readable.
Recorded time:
8.14
